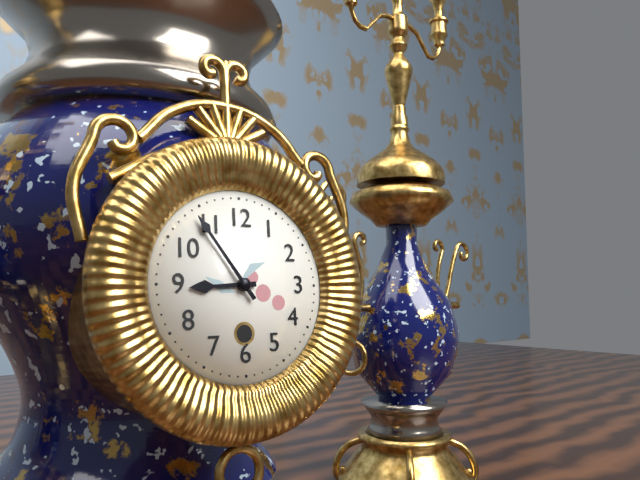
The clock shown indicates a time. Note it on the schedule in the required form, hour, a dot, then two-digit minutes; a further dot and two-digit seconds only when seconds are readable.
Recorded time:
8.54
